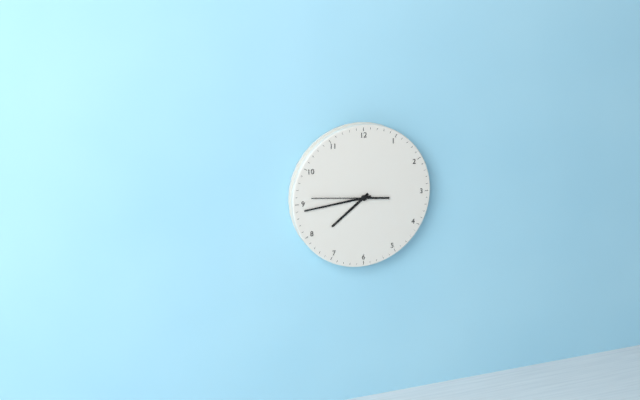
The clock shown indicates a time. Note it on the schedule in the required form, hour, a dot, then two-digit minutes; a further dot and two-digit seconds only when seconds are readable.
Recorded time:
7.44.46
